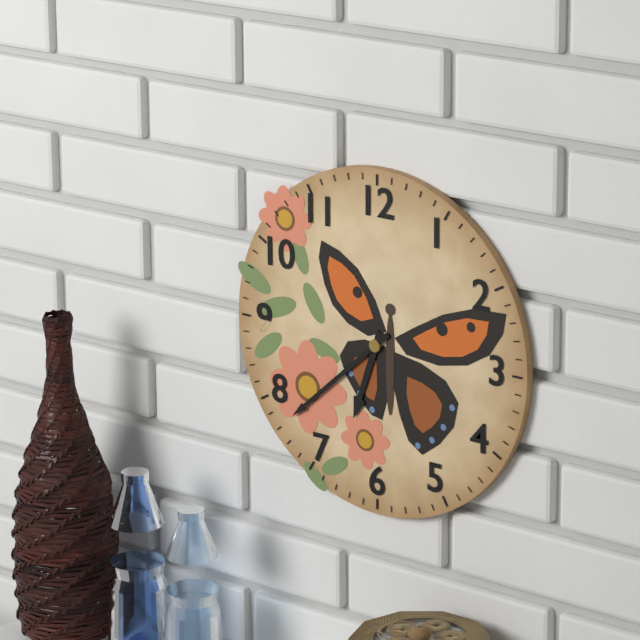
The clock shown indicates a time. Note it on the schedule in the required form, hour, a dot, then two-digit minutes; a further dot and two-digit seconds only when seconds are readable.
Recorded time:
6.38
